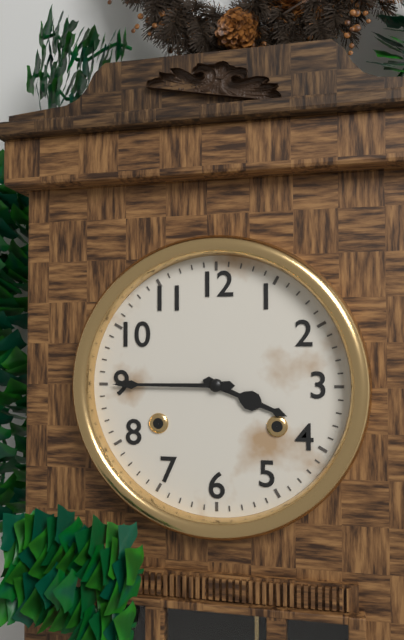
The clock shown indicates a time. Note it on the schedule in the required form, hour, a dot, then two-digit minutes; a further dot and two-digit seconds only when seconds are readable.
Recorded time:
3.45
